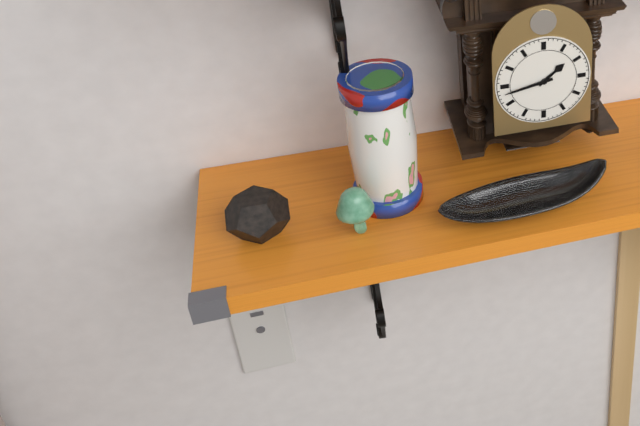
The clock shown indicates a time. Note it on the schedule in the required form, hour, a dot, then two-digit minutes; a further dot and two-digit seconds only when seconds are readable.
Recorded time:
1.43
